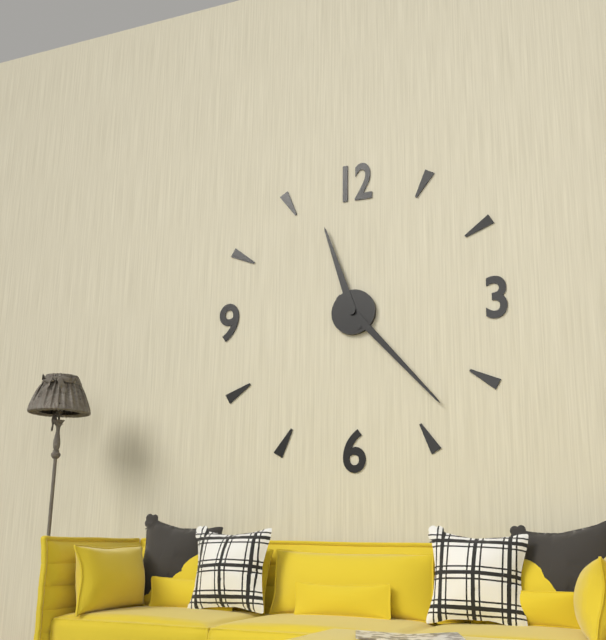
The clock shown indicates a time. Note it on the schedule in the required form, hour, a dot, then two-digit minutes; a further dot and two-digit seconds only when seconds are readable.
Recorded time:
11.23
